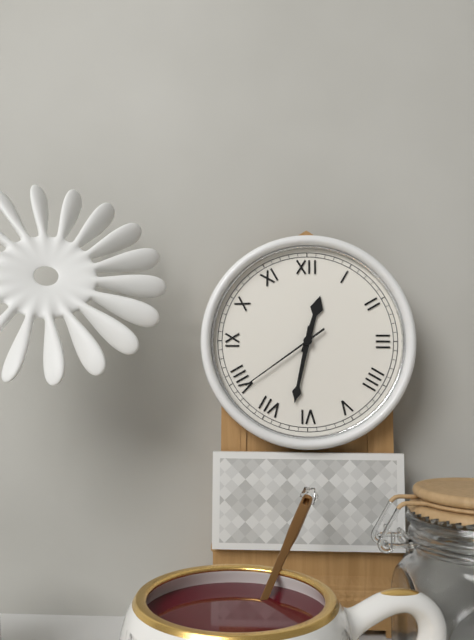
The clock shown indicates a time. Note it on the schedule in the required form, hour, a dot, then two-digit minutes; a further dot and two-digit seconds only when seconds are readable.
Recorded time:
12.32.39
